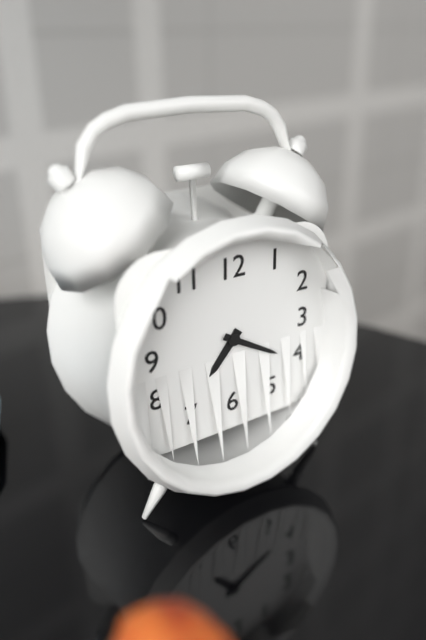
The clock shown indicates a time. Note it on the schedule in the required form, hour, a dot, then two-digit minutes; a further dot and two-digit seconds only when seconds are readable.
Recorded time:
7.20
